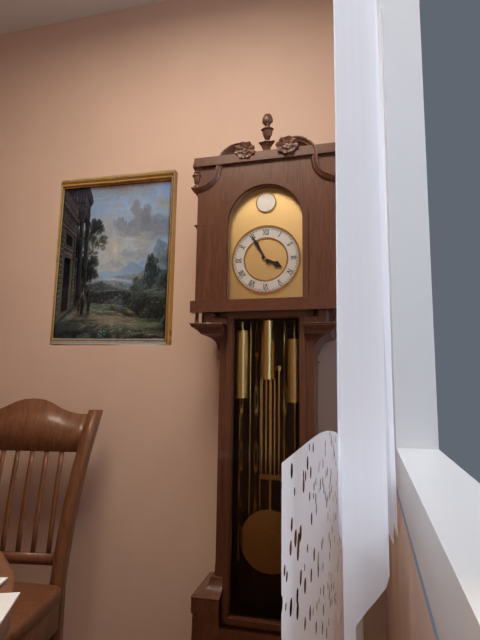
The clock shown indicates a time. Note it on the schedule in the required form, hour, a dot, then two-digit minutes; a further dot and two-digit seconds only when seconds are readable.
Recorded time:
3.55
